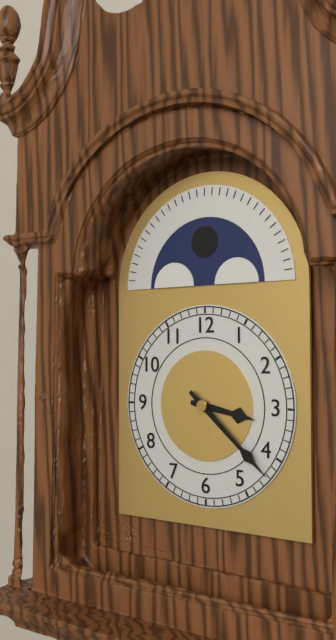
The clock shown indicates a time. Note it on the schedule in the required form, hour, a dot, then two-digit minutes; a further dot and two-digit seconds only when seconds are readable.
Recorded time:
3.22
